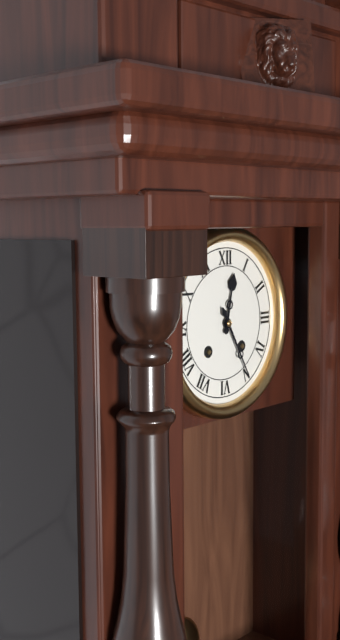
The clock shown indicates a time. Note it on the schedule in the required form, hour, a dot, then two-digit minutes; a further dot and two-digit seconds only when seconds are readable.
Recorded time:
12.25
